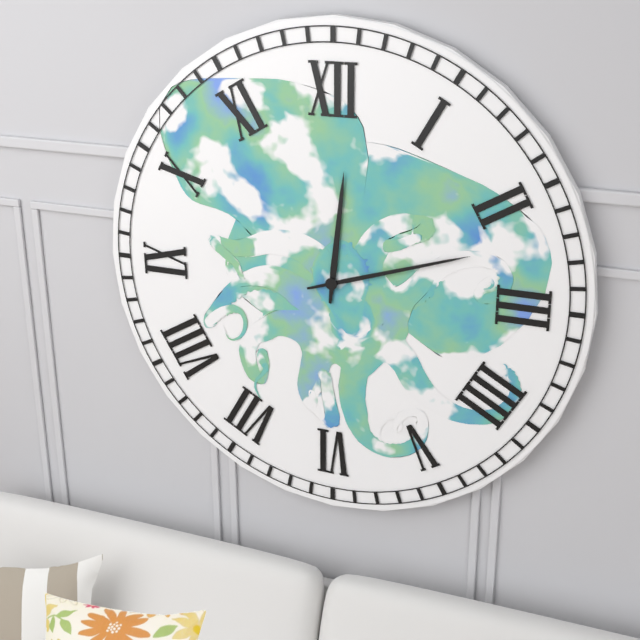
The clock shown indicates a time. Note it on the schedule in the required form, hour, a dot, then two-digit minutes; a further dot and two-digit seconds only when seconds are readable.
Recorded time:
12.12
